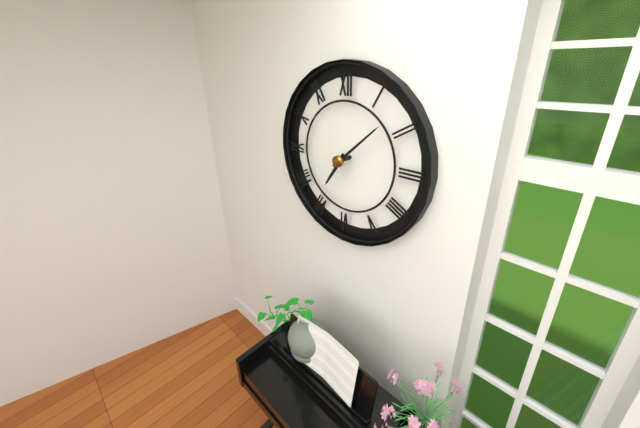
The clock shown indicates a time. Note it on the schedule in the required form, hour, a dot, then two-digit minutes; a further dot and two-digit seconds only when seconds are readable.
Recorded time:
7.08
